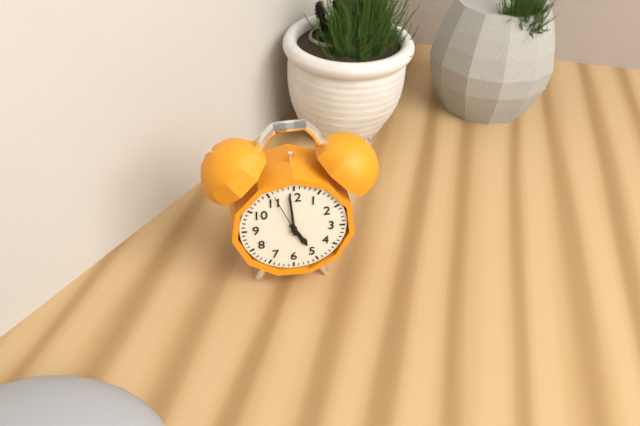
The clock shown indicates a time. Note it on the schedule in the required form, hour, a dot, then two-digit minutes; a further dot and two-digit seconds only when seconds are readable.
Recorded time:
4.59
